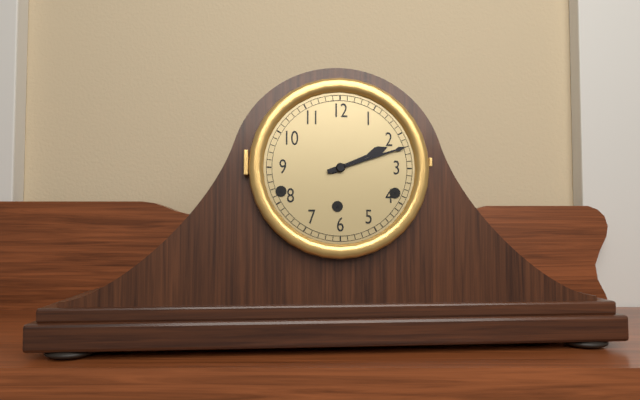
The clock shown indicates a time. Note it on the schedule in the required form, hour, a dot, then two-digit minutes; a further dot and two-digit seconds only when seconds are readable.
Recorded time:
2.12
